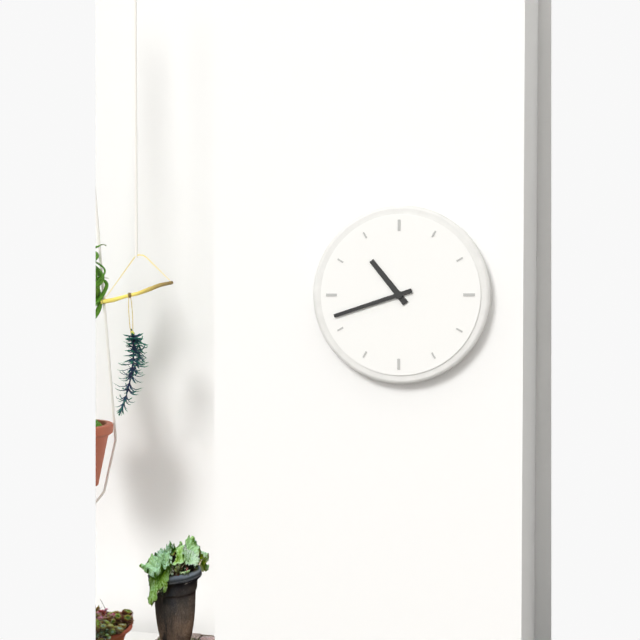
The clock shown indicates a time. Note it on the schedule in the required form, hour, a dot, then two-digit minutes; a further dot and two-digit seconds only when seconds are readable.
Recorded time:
10.42
